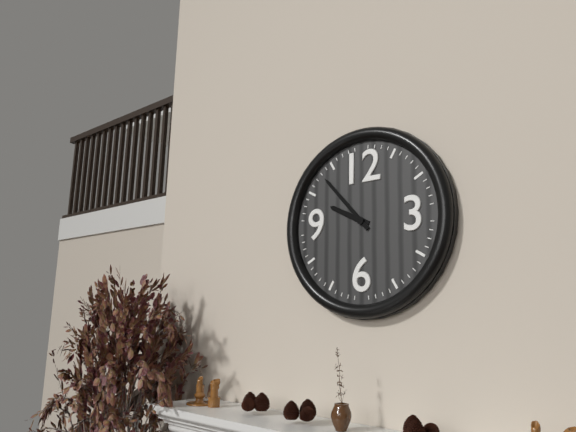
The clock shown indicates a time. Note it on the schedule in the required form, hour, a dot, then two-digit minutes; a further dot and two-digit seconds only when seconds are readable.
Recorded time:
9.53
